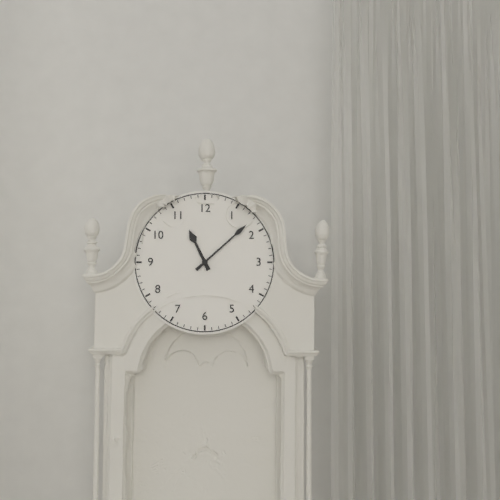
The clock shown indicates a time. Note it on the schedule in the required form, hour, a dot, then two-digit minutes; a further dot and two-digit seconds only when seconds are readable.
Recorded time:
11.08
